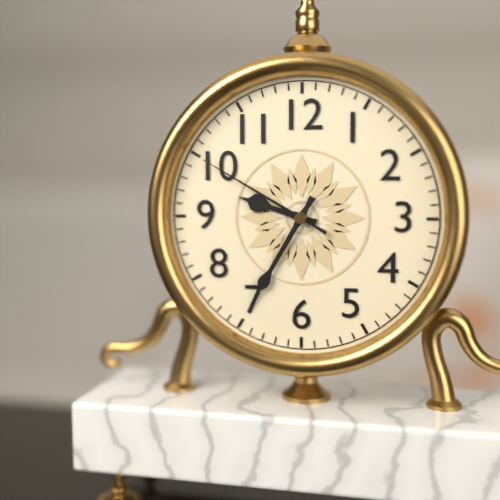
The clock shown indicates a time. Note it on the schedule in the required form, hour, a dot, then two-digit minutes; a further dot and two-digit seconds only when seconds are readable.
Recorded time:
9.35.50
